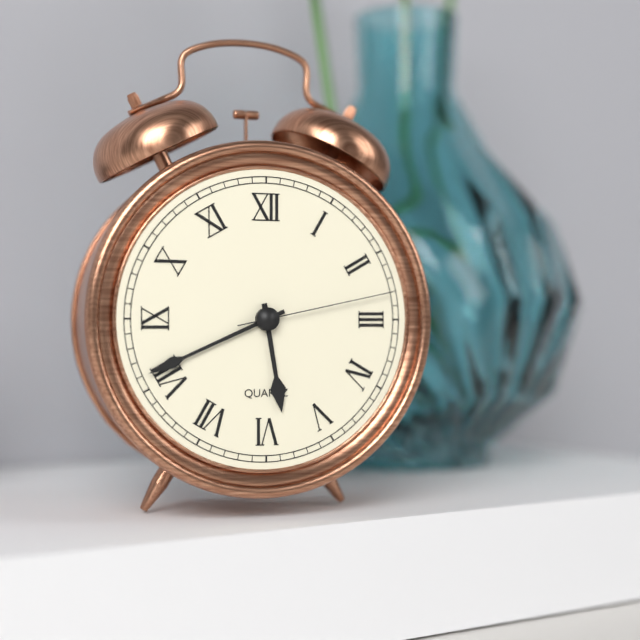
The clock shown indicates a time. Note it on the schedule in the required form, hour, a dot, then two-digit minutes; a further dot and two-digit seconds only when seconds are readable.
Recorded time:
5.41.13
